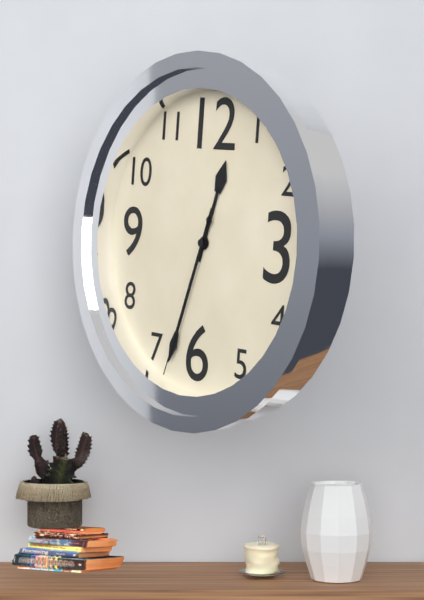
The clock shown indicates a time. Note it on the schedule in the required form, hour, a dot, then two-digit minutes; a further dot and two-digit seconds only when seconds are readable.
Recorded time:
12.33.33
